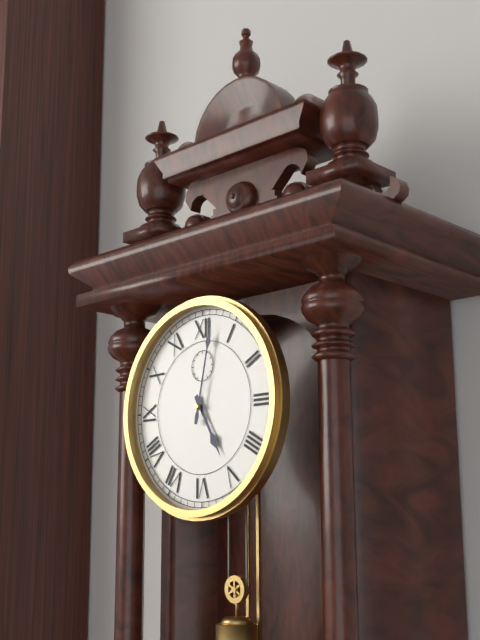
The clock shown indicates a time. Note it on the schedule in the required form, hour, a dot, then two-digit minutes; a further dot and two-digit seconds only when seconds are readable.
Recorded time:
5.02
